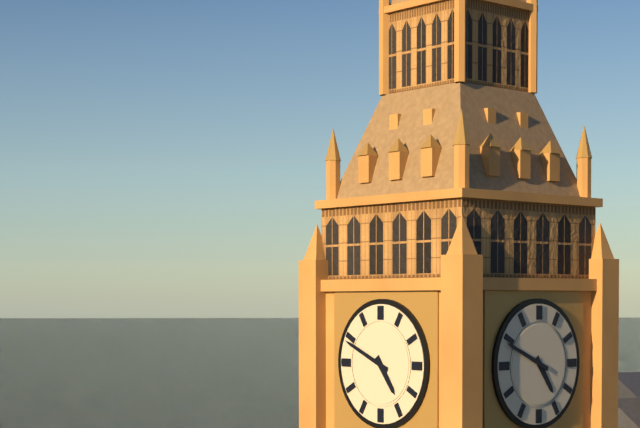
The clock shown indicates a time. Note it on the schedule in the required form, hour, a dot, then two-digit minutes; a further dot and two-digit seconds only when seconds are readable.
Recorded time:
4.49
